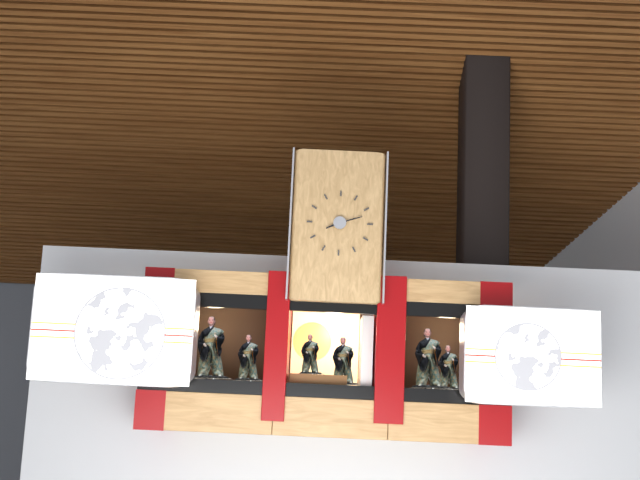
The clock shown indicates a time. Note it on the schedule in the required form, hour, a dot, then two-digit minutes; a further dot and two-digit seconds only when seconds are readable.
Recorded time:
8.12
